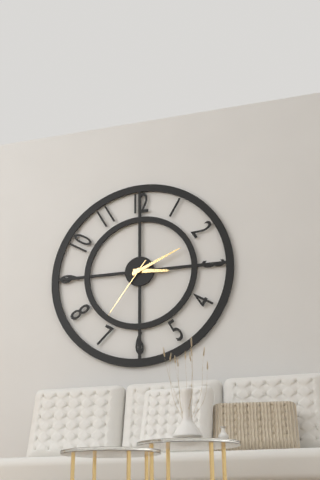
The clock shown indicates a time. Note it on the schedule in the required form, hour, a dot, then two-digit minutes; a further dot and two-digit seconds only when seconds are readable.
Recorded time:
3.11.36
